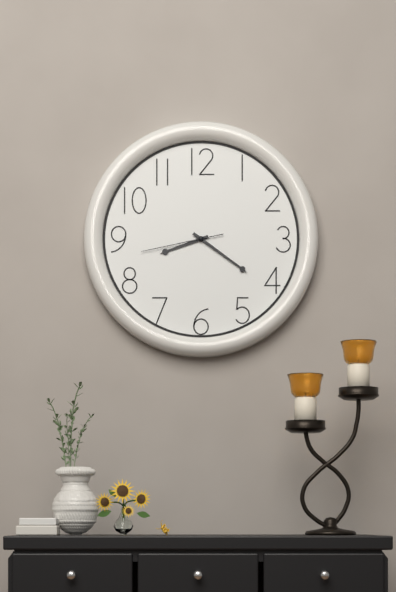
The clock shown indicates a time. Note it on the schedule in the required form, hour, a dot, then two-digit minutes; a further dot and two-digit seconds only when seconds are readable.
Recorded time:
8.21.43
